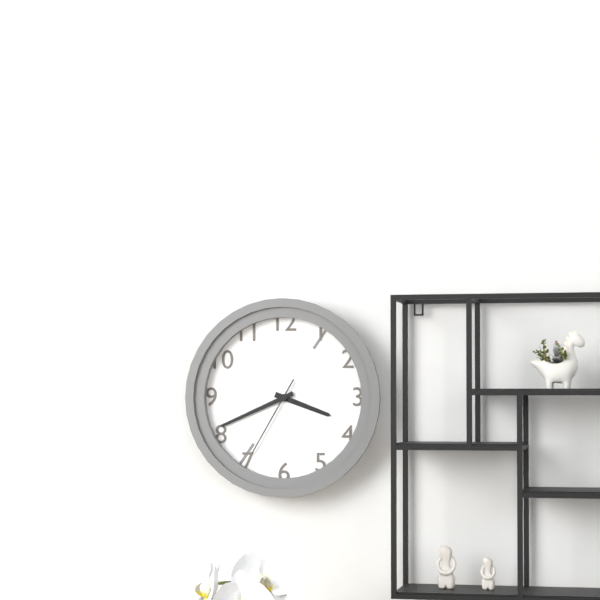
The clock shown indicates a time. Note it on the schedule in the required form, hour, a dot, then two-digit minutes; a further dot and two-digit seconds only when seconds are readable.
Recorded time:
3.41.35
